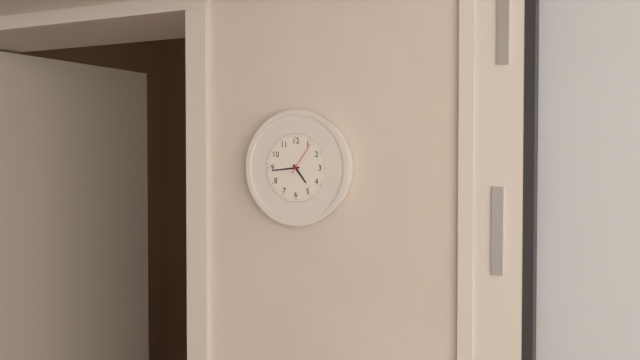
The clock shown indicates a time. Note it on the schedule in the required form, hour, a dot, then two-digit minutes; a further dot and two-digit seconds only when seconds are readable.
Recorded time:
4.44
